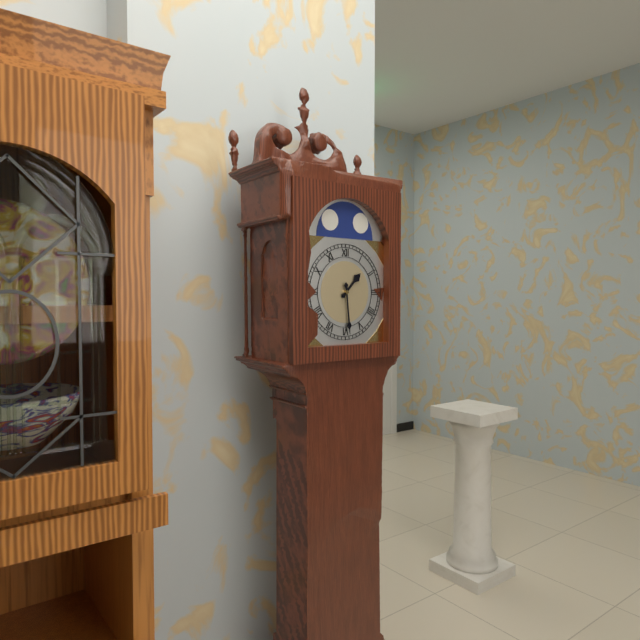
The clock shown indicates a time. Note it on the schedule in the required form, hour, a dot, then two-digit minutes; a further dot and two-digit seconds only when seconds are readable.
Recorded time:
1.29
